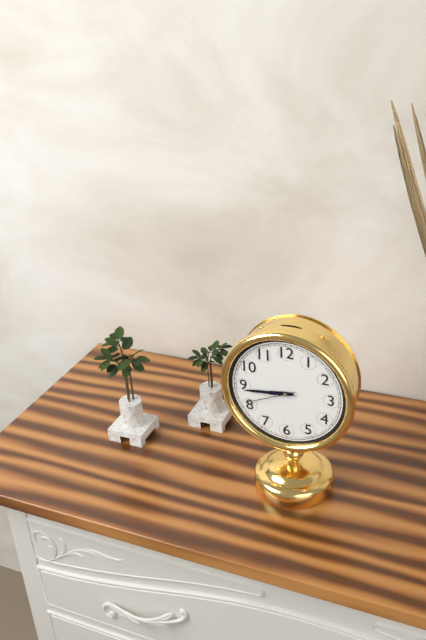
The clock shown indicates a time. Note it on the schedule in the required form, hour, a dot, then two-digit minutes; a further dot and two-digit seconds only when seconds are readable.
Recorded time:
8.44.41
